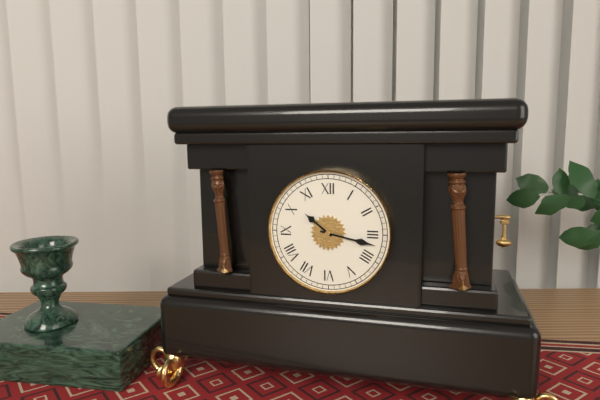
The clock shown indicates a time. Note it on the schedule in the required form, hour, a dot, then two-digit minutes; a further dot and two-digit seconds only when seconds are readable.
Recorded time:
10.17
